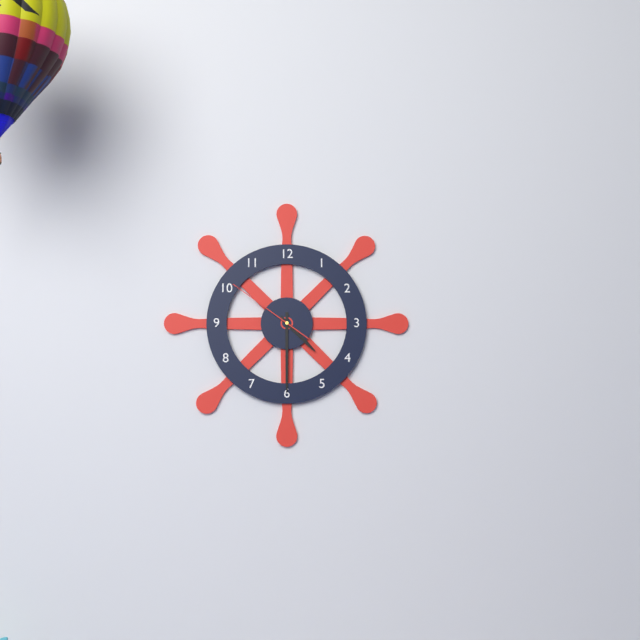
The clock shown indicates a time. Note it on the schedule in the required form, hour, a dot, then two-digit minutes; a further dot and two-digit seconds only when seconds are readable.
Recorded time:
4.30.51
